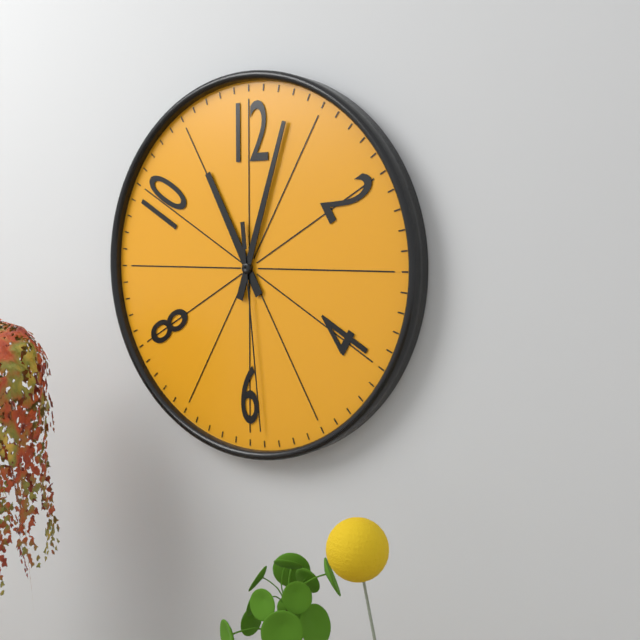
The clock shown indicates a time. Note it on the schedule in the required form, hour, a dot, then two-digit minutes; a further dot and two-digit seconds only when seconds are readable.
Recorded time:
11.03.29
